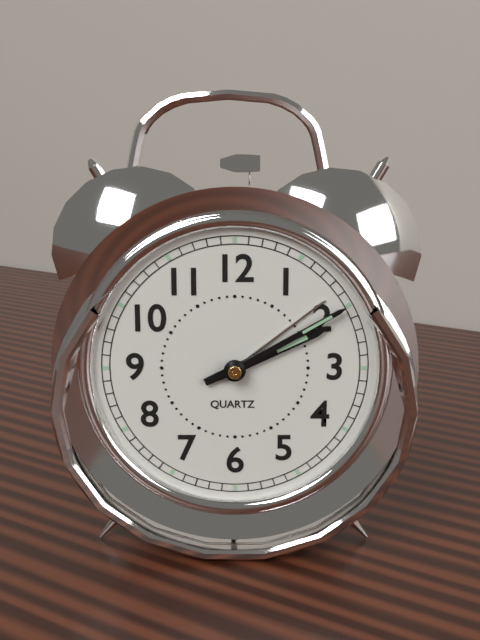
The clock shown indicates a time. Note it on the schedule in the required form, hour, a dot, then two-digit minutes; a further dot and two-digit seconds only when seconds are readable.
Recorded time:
2.10
